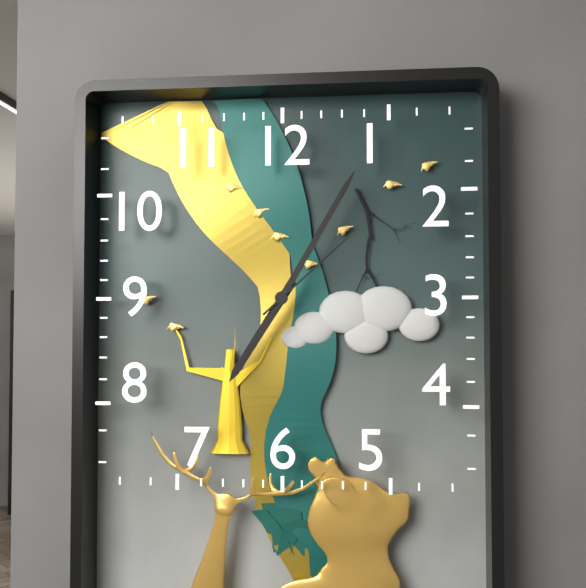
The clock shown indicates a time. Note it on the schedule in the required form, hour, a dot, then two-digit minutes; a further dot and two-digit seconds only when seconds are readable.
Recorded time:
7.05.08
